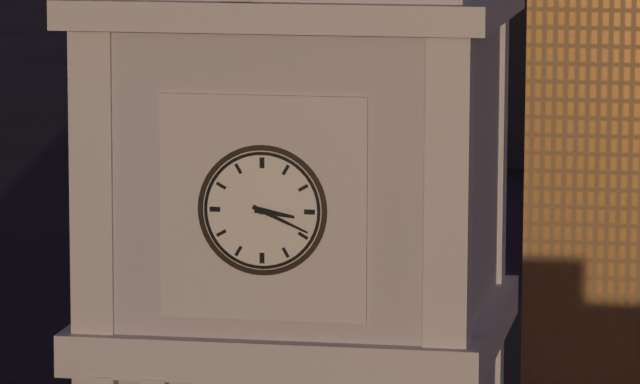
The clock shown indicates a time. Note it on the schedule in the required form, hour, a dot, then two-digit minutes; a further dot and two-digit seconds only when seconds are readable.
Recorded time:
3.19
